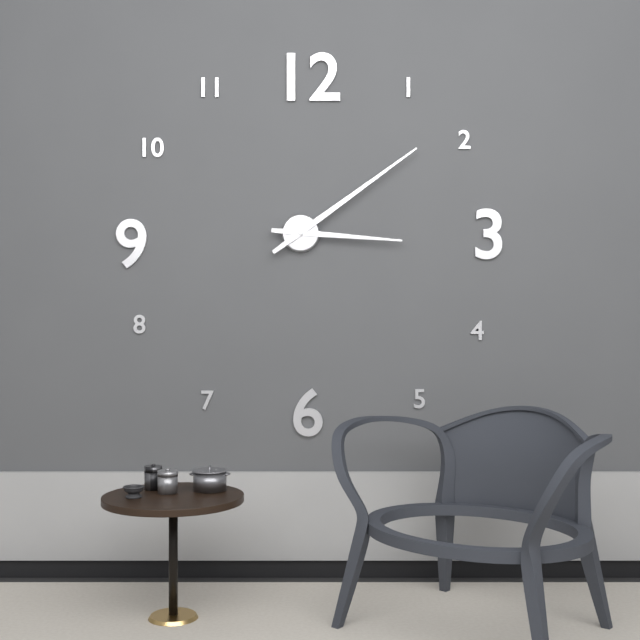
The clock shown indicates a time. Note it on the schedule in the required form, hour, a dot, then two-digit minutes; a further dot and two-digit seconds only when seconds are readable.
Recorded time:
3.09
